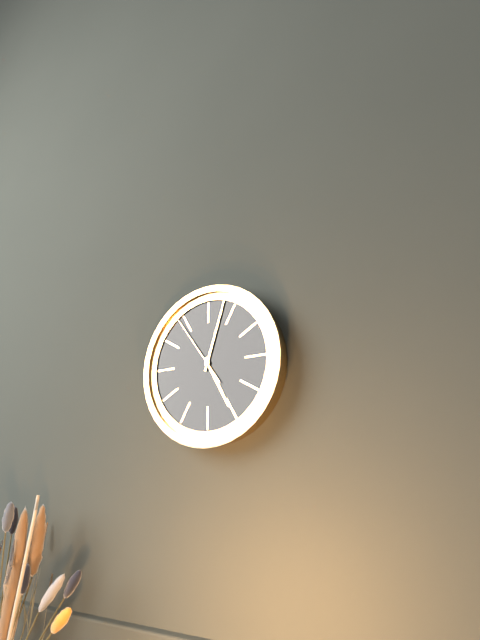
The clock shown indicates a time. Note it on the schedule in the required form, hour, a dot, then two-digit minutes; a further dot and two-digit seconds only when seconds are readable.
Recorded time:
5.03.54
